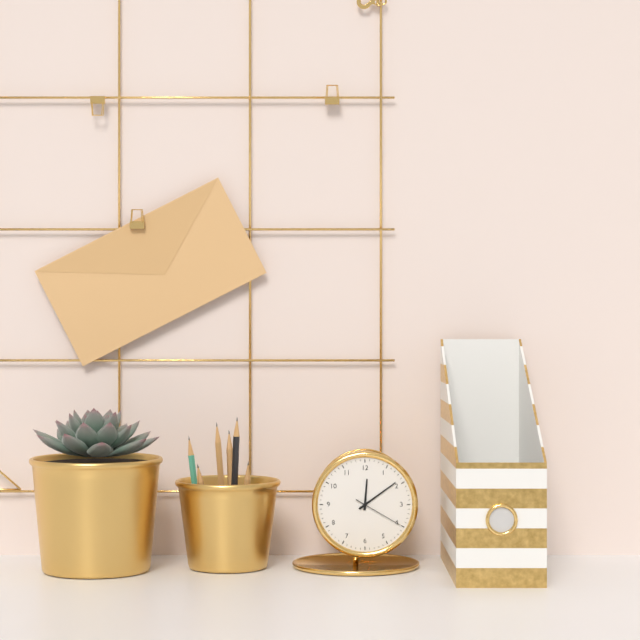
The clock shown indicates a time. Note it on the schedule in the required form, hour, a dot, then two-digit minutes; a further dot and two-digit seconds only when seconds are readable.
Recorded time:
12.09.20
